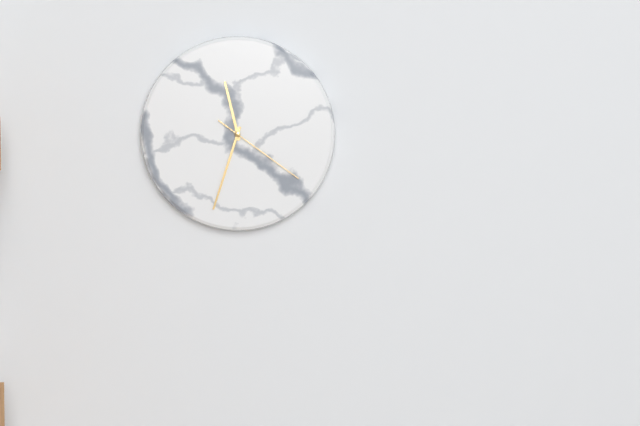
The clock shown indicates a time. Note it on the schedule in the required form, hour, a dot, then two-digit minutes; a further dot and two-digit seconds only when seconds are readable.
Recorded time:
11.33.21
